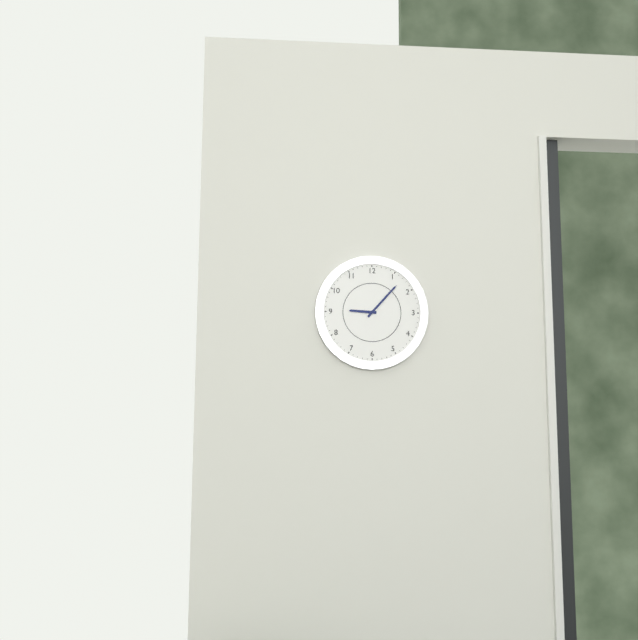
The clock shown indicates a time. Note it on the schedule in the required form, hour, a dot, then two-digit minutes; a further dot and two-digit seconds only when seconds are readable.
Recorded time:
9.07
